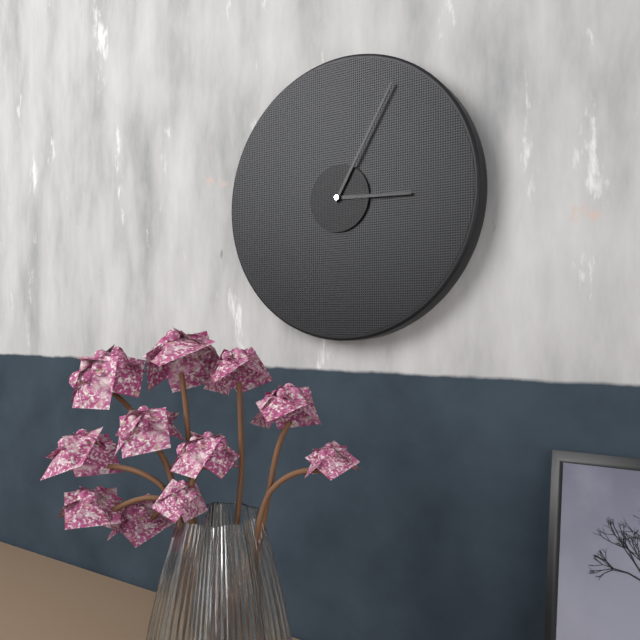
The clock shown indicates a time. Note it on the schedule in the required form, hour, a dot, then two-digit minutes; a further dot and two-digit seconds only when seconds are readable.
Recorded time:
3.05
